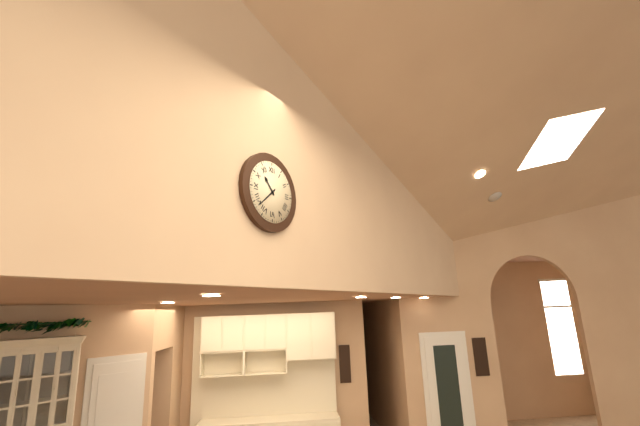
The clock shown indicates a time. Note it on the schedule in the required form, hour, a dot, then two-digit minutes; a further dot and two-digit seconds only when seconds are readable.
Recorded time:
10.38
